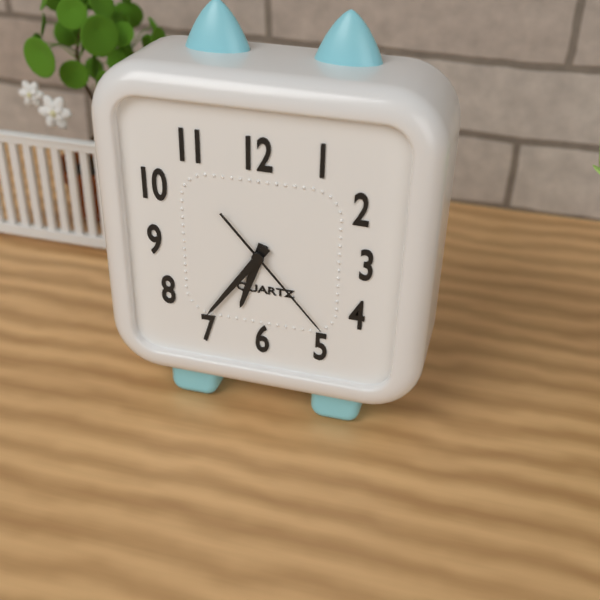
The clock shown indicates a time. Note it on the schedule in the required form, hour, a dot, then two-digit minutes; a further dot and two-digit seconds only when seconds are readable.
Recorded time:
6.36.23
